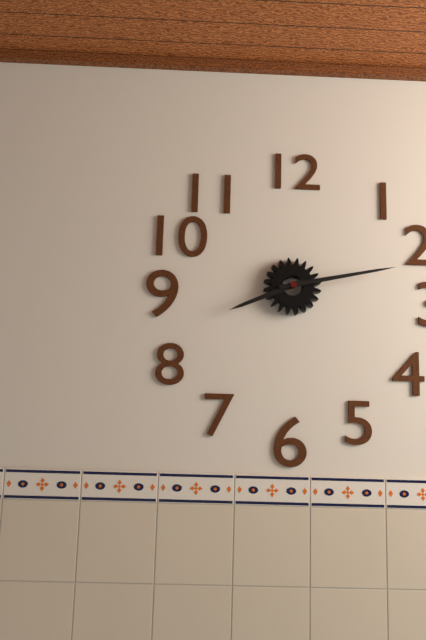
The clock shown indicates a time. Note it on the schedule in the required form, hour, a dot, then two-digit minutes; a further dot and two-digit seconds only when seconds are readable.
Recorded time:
8.13
